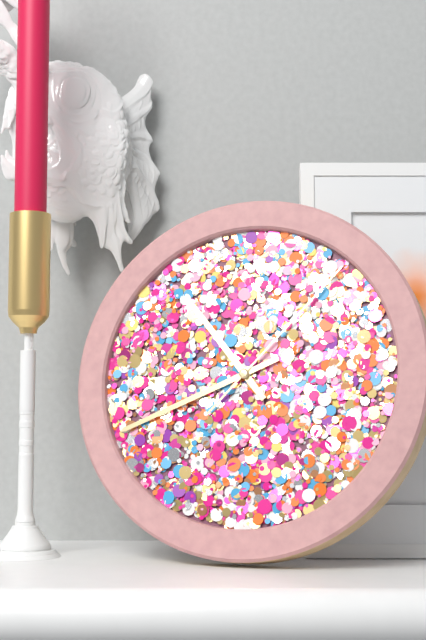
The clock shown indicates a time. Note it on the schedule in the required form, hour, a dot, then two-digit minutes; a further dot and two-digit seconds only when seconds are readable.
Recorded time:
10.41.07
